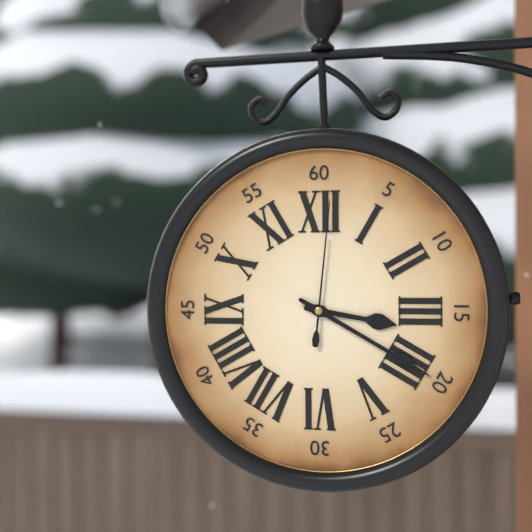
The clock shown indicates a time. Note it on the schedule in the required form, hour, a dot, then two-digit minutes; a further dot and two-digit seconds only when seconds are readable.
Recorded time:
3.20.01
